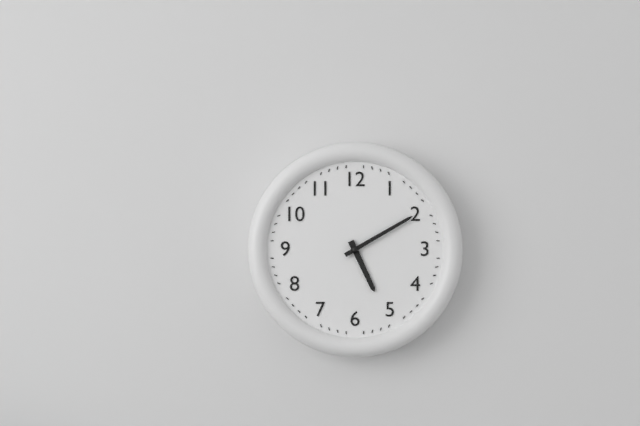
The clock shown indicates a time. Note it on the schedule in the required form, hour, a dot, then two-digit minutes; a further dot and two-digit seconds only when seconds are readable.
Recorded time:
5.10
